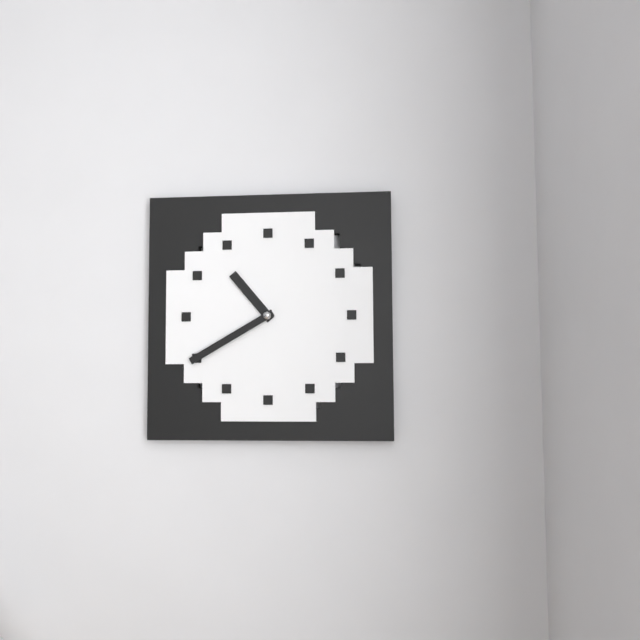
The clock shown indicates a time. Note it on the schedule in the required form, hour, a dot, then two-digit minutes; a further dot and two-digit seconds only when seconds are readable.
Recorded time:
10.40
